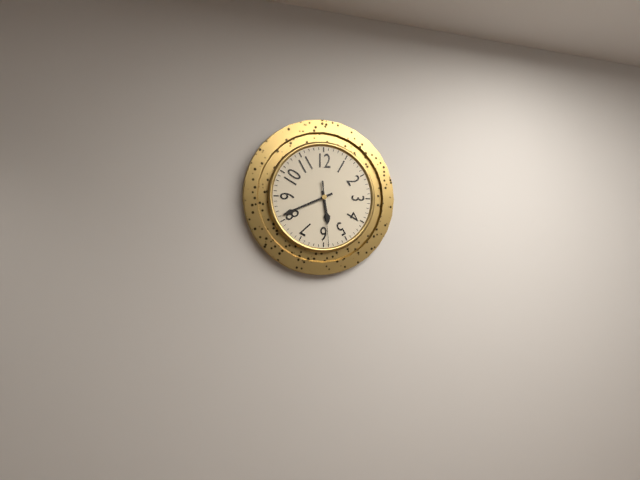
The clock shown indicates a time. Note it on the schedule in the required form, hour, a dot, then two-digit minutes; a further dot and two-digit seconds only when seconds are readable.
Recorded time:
5.41.29
